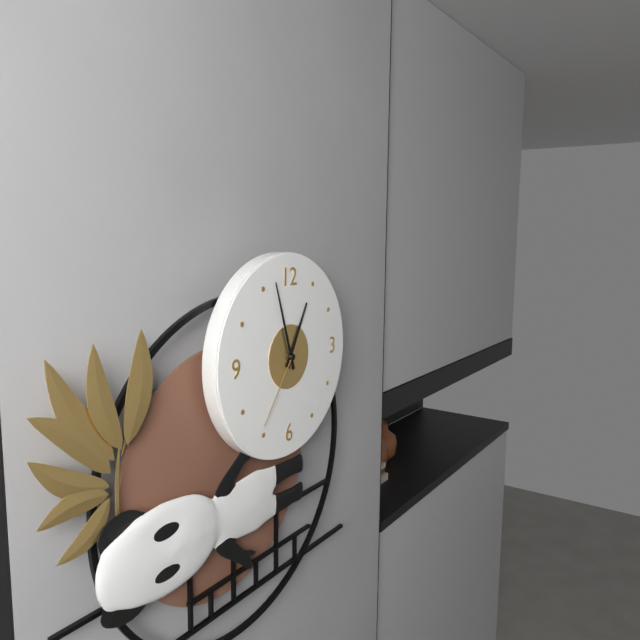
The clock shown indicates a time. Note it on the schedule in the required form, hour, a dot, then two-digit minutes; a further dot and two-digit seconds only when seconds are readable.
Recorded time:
12.57.36
